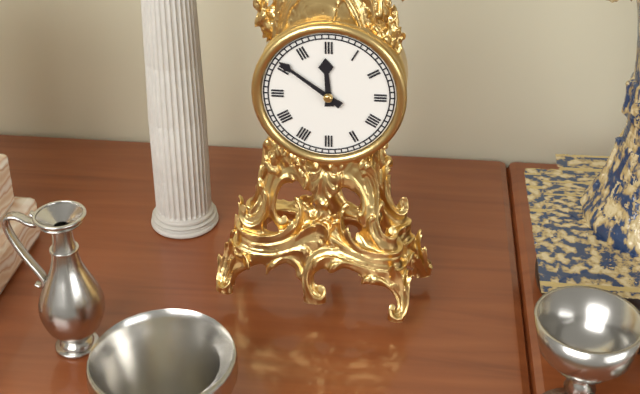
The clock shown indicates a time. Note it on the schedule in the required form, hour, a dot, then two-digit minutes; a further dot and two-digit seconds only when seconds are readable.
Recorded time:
11.51
